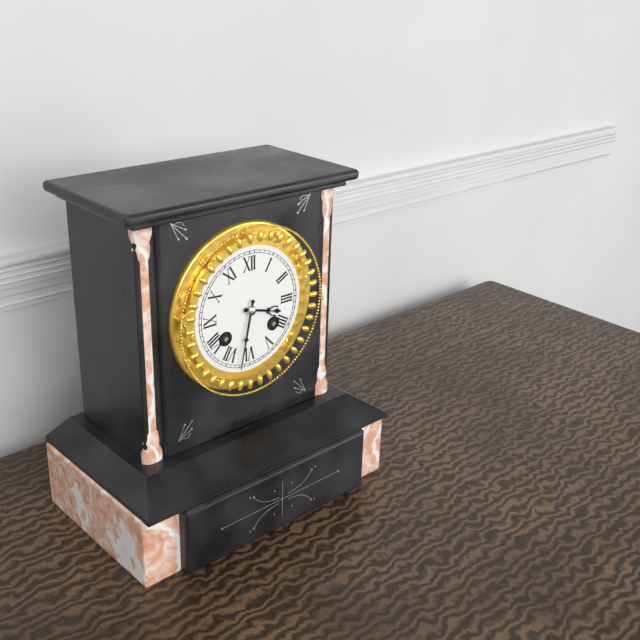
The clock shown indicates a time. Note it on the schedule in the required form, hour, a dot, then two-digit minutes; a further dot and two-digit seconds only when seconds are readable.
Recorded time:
3.32
